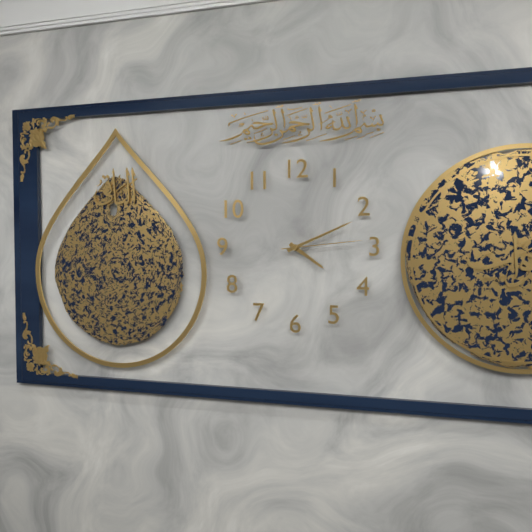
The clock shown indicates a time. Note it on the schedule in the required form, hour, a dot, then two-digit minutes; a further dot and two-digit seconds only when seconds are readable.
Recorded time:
4.11.14
